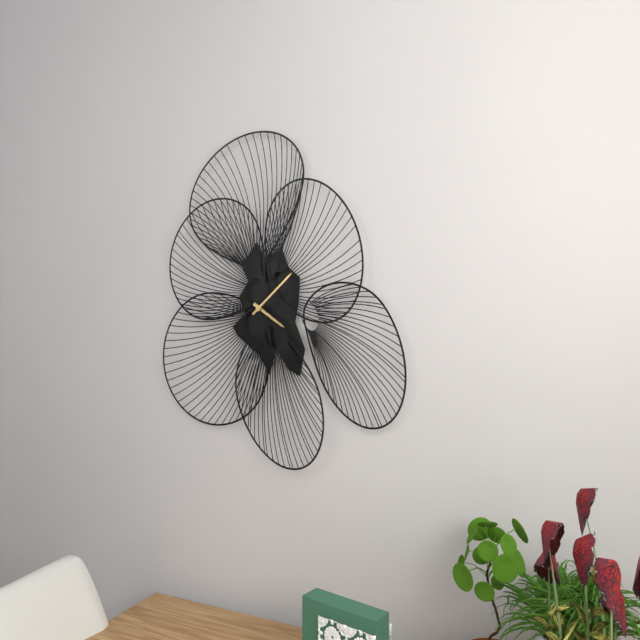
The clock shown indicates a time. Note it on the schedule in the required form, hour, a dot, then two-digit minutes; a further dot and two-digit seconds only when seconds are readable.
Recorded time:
4.08
